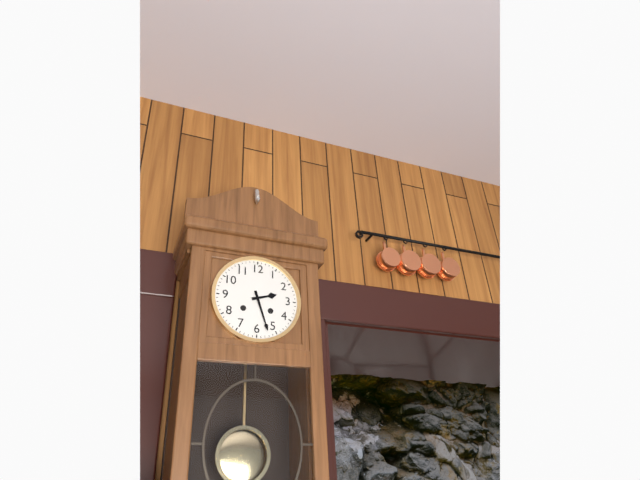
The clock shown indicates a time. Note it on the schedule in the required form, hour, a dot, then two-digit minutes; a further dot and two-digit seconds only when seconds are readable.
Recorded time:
2.27
